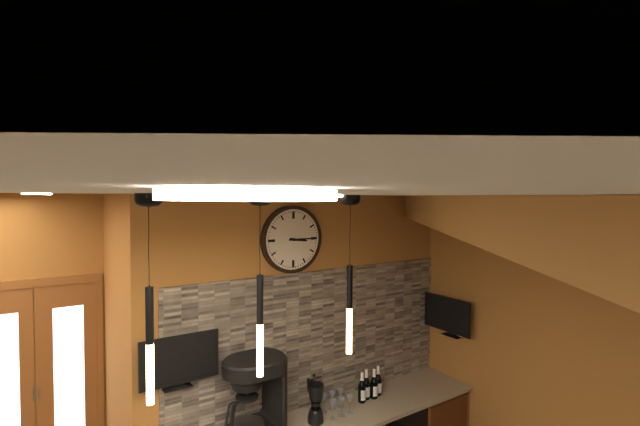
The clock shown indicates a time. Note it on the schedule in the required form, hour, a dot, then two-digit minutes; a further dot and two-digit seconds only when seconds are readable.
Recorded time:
3.15
